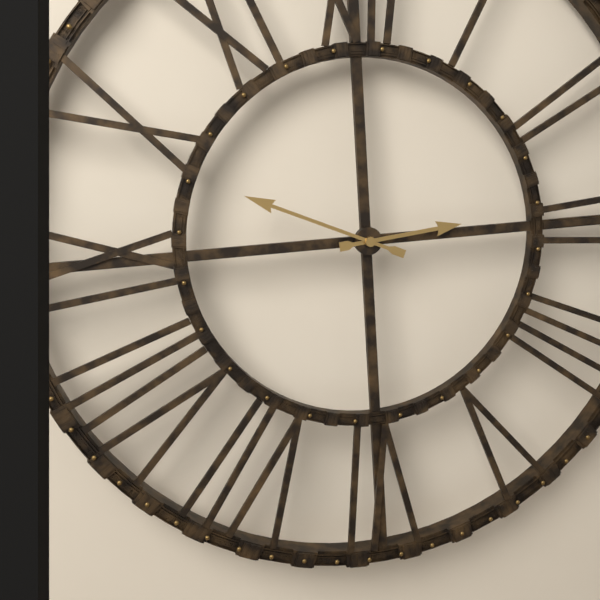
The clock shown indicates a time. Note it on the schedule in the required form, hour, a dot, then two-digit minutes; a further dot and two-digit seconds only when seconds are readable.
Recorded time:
2.49
